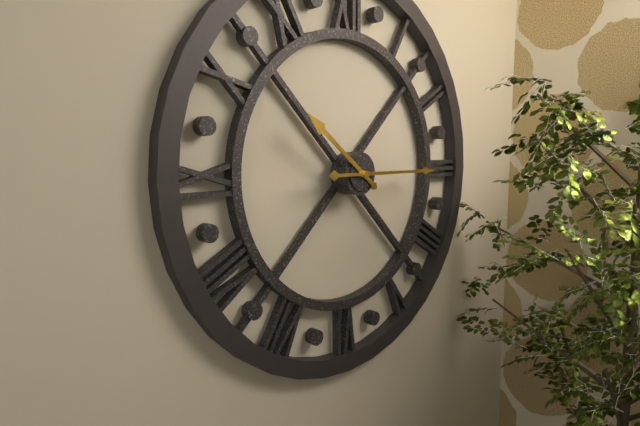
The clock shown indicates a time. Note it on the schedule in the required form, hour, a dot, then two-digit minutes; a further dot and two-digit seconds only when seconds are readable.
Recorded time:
10.15
